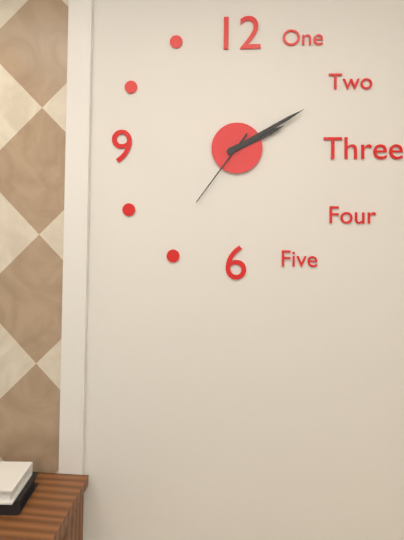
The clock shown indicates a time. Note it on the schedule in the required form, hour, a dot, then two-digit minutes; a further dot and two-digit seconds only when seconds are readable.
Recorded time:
2.10.36
